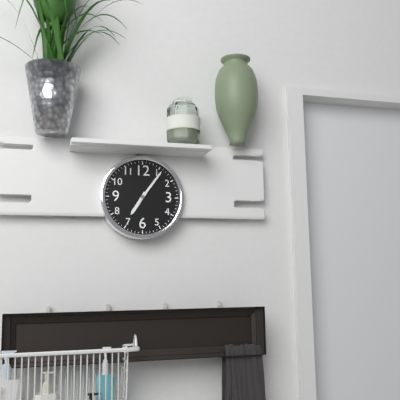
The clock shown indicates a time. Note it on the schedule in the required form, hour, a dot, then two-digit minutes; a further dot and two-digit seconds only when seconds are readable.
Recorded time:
7.06
